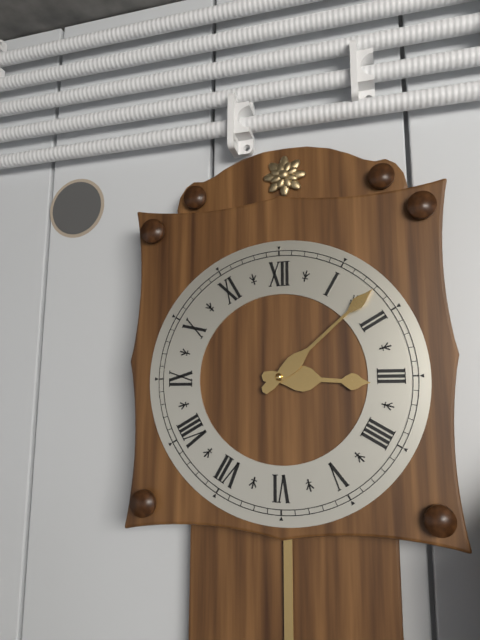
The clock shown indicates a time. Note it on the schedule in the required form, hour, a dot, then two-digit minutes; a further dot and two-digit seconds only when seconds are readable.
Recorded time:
3.08
